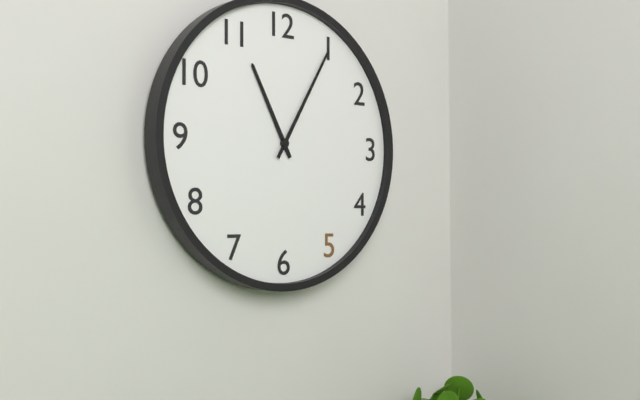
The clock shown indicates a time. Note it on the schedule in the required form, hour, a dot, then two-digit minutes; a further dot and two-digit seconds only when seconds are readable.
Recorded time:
11.05
